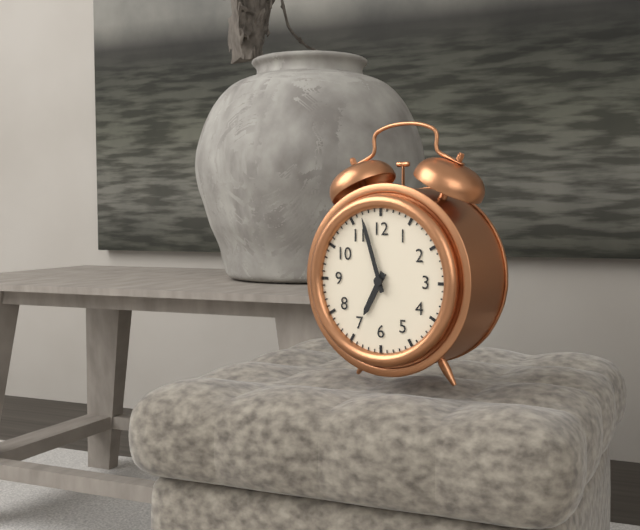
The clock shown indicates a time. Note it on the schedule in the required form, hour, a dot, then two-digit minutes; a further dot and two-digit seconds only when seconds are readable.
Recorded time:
6.57
